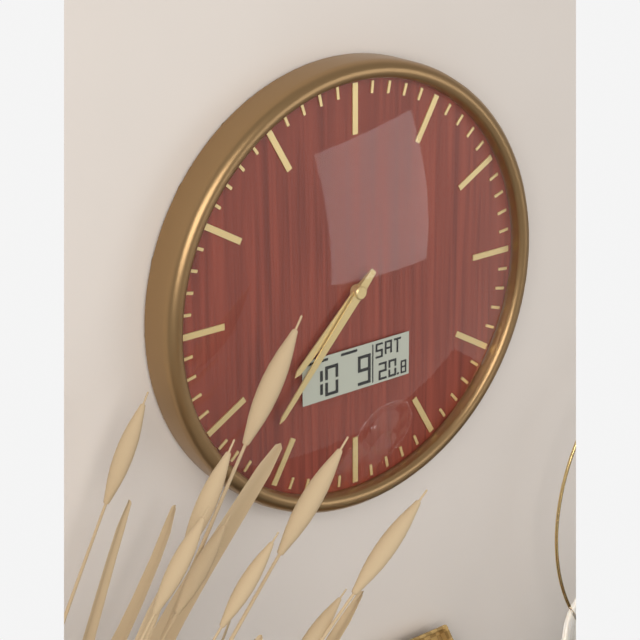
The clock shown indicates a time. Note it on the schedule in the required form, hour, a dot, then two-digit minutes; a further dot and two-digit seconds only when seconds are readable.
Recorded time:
7.37
